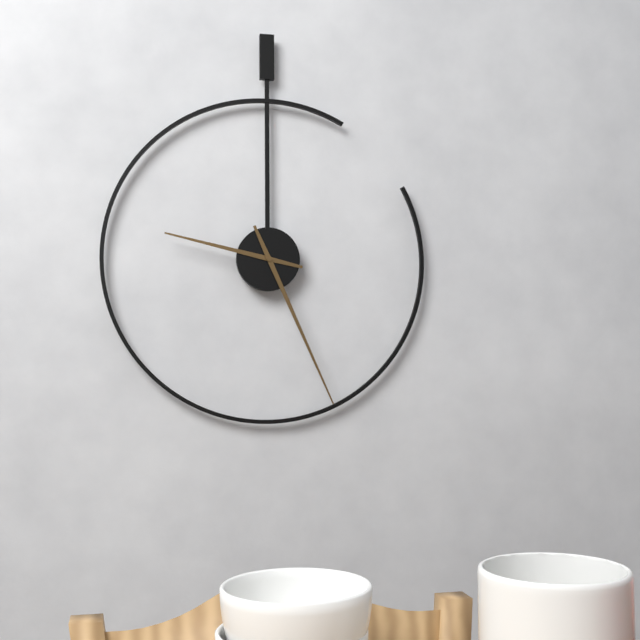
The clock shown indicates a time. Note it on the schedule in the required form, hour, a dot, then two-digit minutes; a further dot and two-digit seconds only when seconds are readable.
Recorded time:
9.26
